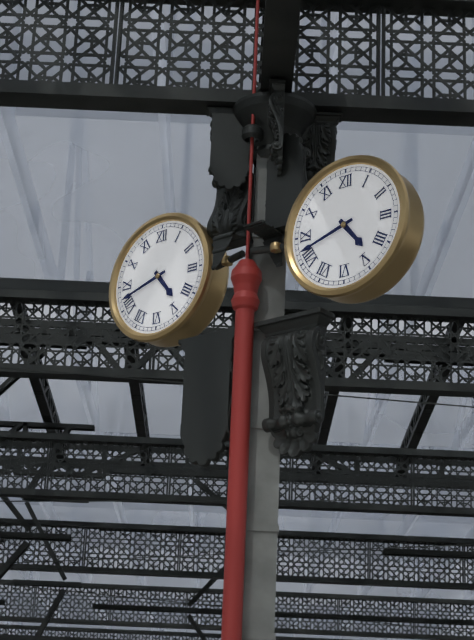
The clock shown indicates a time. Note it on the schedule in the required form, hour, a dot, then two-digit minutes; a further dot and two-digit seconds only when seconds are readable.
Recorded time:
4.42
